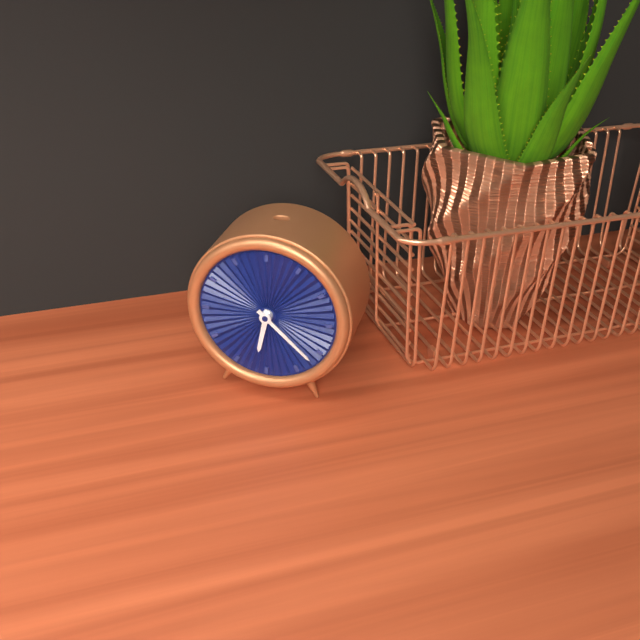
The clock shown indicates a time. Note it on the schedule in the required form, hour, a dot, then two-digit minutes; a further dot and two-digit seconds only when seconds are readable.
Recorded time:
6.22
